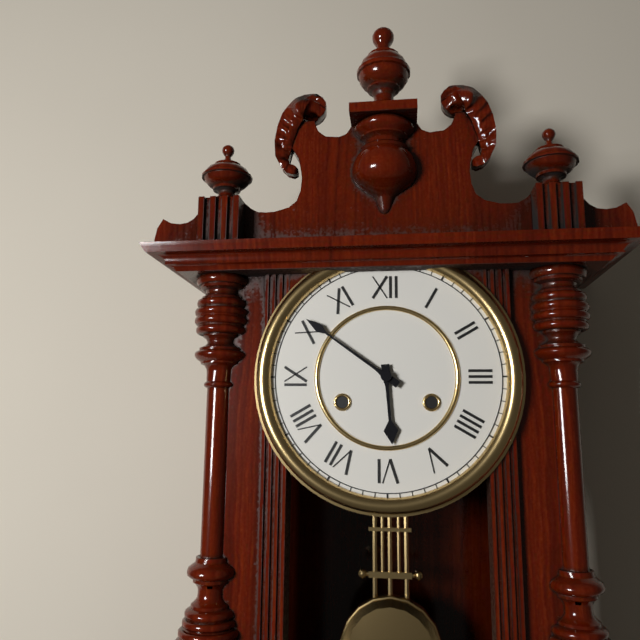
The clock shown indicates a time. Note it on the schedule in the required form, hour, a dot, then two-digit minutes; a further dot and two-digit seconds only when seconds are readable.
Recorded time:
5.51
